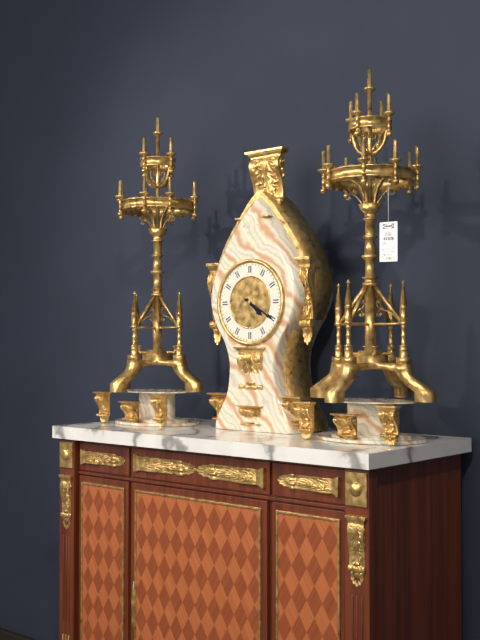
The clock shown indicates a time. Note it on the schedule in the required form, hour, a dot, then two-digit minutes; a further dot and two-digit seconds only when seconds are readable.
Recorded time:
4.20
